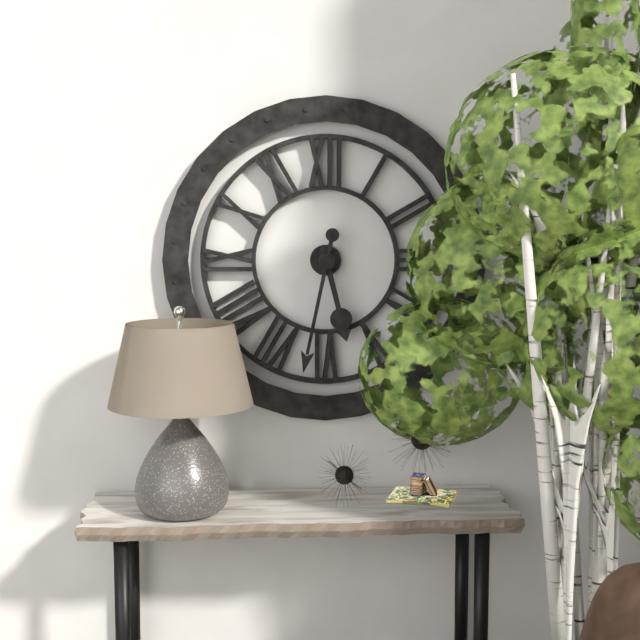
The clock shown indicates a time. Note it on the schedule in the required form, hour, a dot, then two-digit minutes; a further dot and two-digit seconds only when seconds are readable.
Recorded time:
5.32
